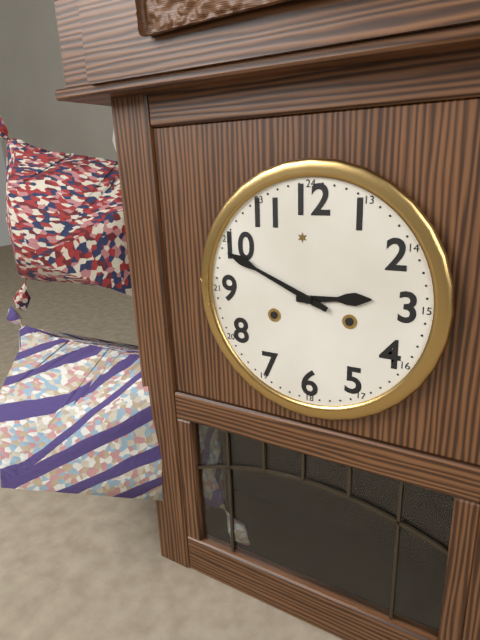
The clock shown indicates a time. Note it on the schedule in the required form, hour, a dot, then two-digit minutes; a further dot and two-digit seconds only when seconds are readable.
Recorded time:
2.49
